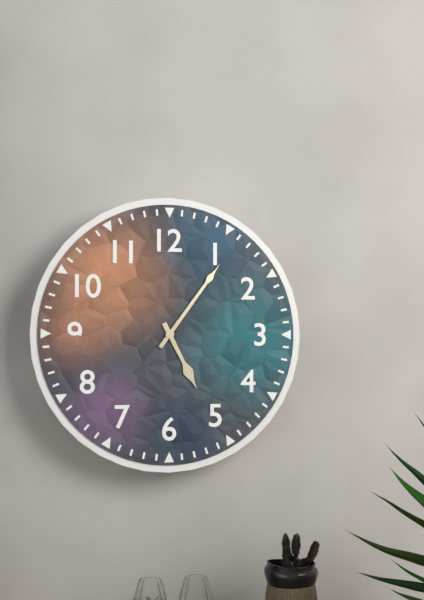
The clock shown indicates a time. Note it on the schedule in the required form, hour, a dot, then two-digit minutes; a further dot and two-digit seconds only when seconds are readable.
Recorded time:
5.06
